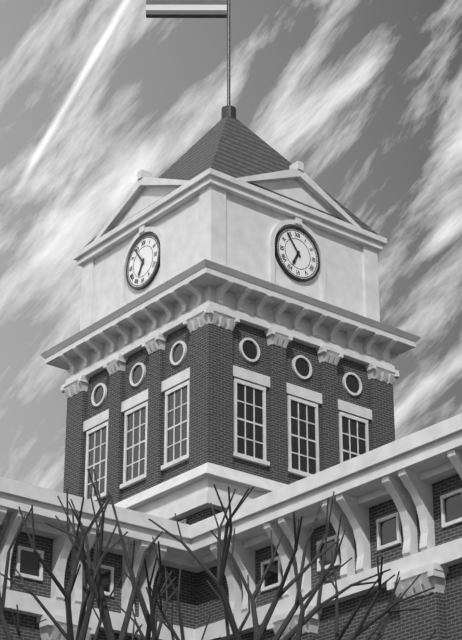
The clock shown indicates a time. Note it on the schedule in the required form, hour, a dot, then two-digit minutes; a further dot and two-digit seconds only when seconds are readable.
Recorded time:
6.54
